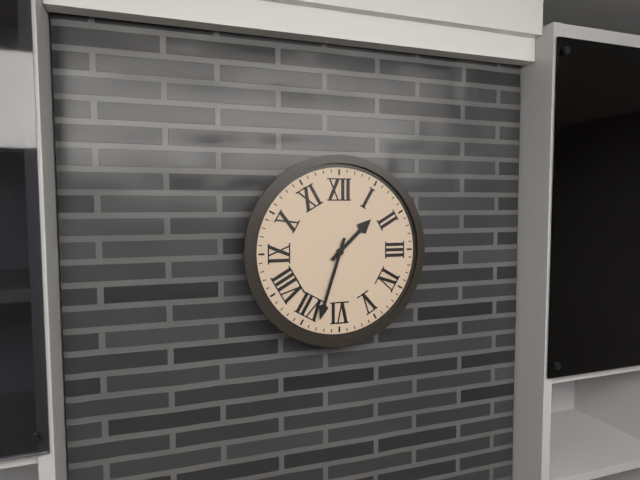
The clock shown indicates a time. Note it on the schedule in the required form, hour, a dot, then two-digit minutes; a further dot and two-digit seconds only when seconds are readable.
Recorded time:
1.33
